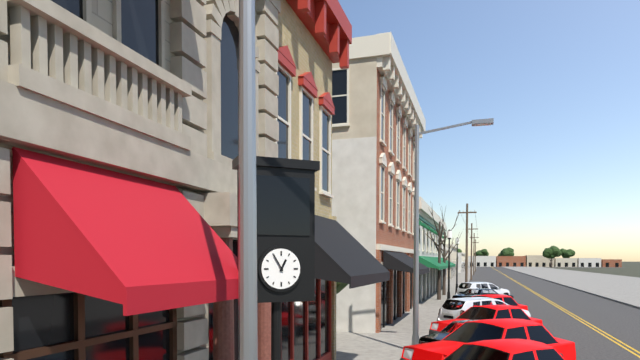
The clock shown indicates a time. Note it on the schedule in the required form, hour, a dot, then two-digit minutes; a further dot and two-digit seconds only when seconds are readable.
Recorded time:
12.55
